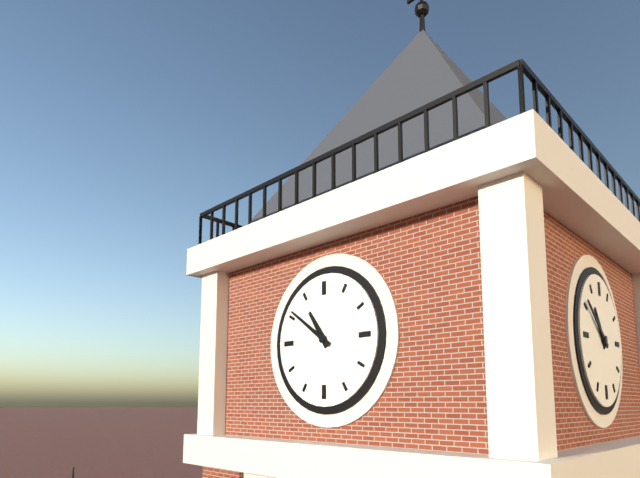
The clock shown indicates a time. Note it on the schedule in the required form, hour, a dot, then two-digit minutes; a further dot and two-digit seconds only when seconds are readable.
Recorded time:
10.51
